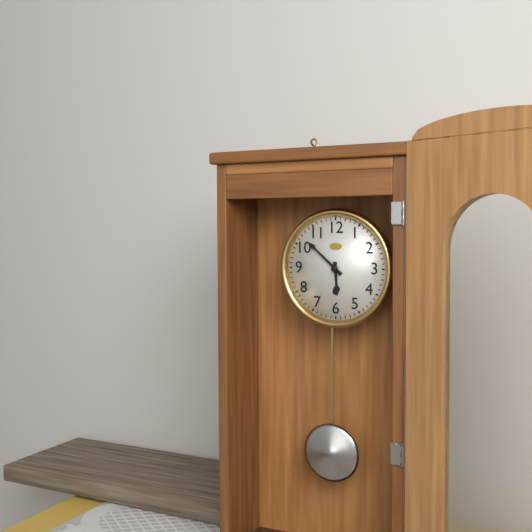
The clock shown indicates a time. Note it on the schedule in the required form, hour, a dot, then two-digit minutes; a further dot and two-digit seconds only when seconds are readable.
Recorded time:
5.52
